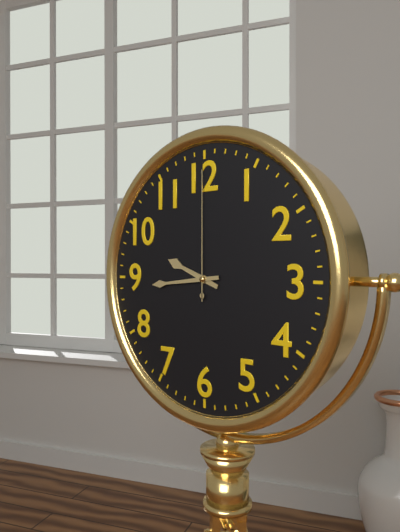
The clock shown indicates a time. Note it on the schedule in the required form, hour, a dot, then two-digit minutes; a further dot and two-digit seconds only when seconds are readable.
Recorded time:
9.44.00
